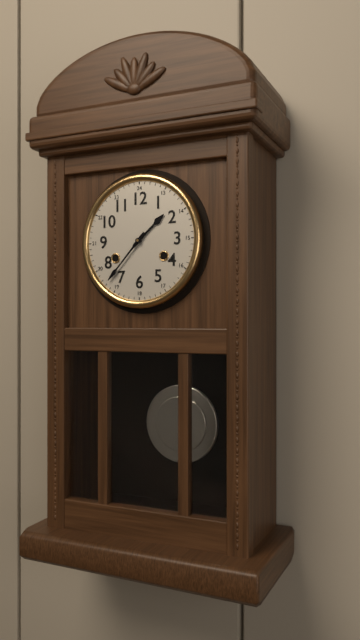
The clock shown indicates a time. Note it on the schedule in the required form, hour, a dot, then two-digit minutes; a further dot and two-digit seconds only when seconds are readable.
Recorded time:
1.37
